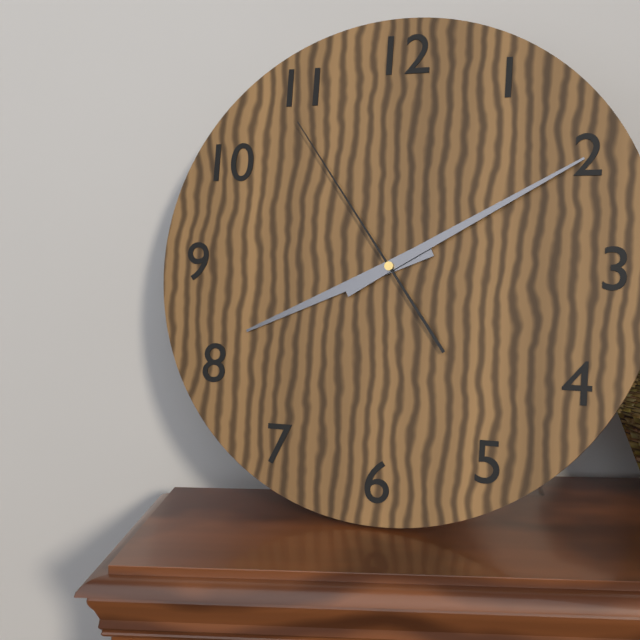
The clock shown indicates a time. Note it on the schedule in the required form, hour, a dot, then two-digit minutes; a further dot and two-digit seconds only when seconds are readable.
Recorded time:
8.10.54
